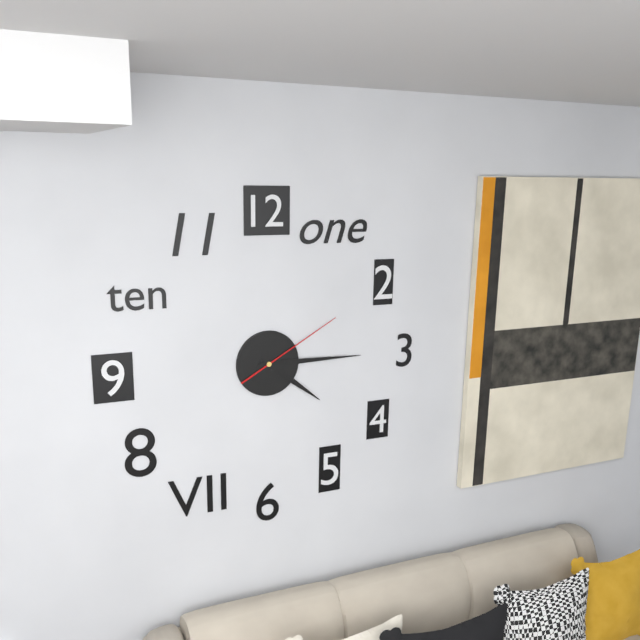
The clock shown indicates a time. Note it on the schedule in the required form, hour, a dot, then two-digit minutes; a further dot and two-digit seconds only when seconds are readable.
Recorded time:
4.15.10
